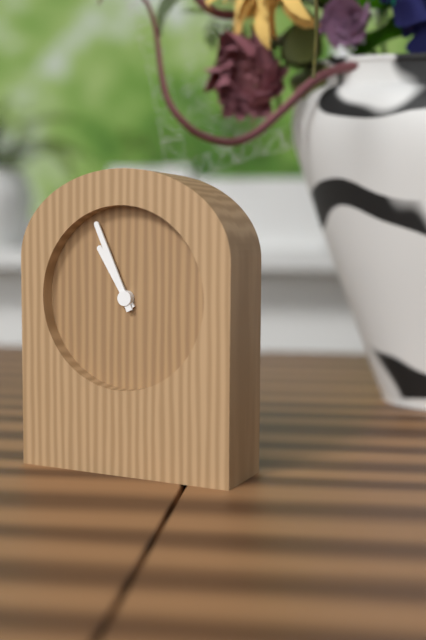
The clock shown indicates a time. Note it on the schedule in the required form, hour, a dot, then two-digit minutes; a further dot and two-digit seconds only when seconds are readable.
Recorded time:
10.56
